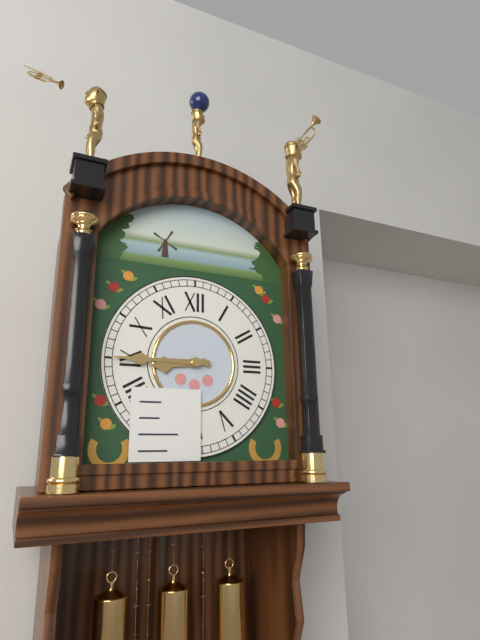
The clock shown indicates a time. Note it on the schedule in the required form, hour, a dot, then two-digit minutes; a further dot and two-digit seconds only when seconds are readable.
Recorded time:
8.45
